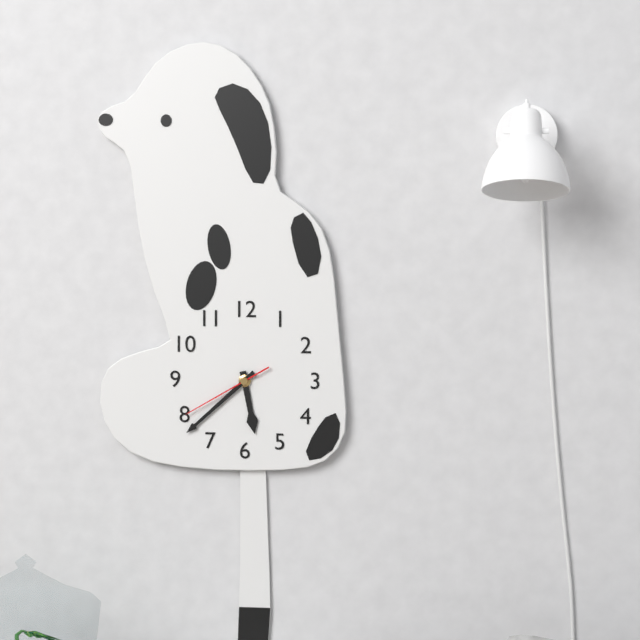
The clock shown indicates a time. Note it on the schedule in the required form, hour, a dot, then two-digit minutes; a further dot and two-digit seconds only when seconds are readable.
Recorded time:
5.38.40
